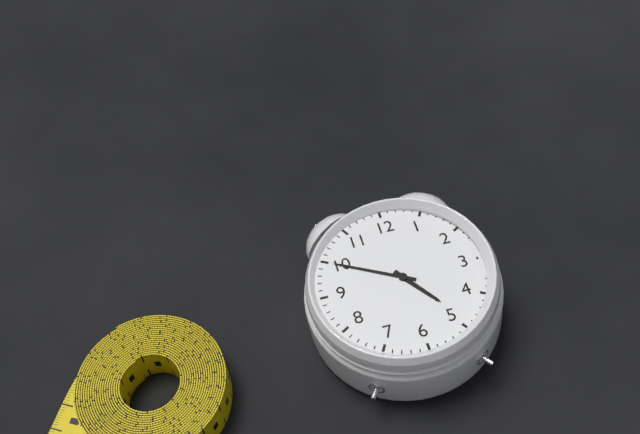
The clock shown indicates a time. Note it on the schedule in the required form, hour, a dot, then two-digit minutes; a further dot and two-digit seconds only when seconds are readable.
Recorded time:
4.50
